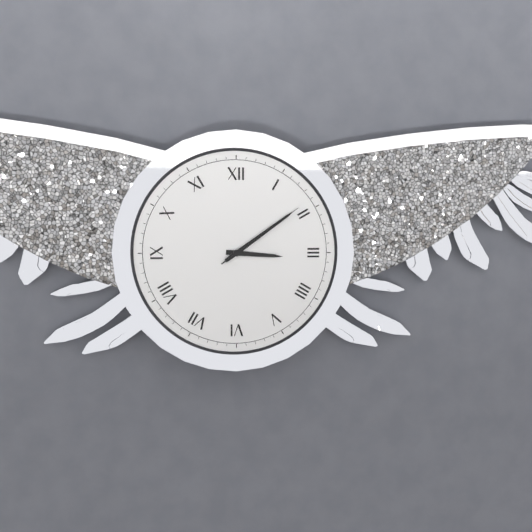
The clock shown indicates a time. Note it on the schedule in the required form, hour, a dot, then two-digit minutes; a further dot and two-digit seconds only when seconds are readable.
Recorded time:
3.09.09
